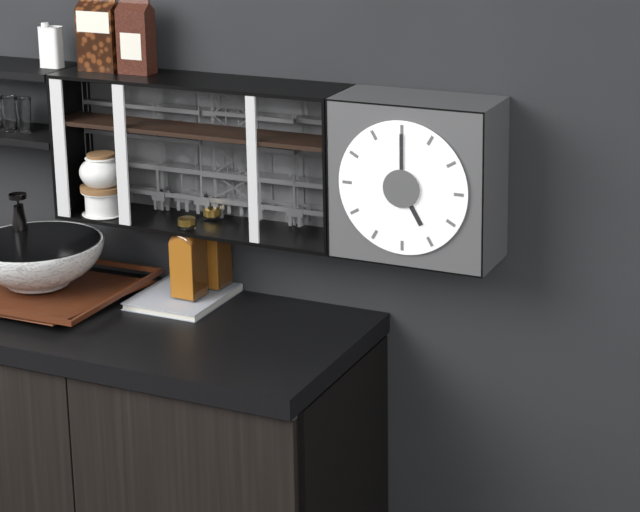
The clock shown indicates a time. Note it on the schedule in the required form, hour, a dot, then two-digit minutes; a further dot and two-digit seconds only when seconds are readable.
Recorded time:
5.00
